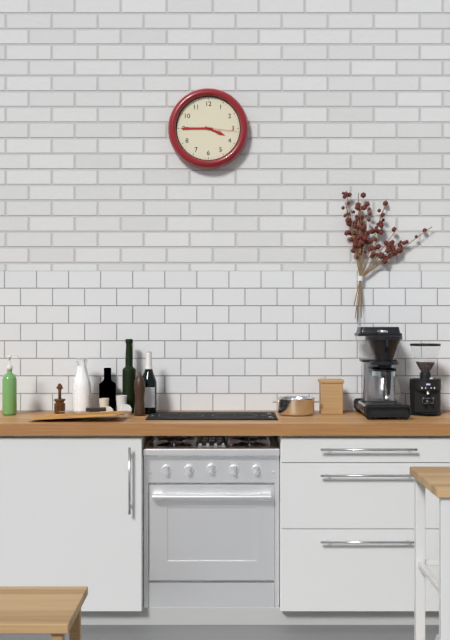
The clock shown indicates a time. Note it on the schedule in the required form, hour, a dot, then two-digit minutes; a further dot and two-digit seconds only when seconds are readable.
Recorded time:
3.45
